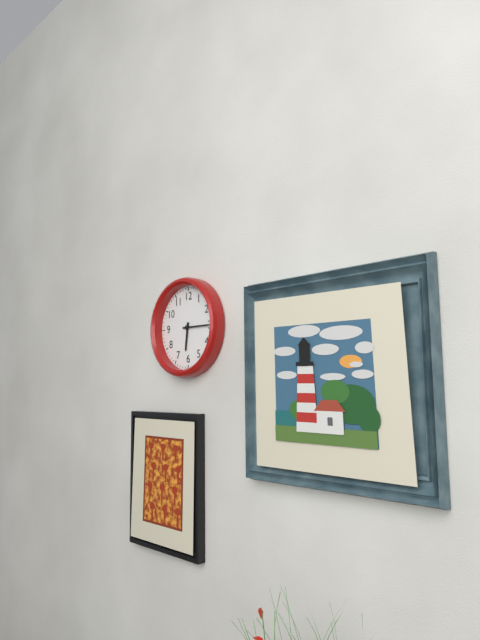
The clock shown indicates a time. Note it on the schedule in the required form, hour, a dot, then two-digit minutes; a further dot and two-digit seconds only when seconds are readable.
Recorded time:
6.15
